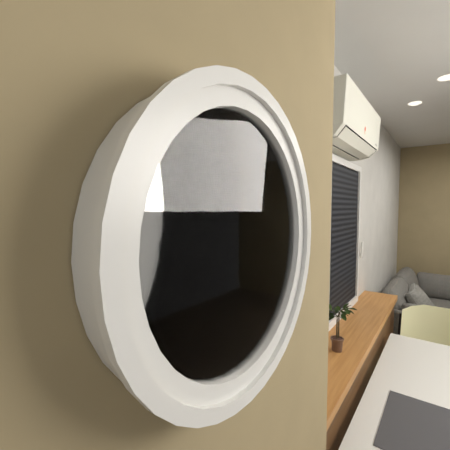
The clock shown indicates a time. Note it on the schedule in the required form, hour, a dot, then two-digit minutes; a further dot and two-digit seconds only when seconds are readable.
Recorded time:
1.00
